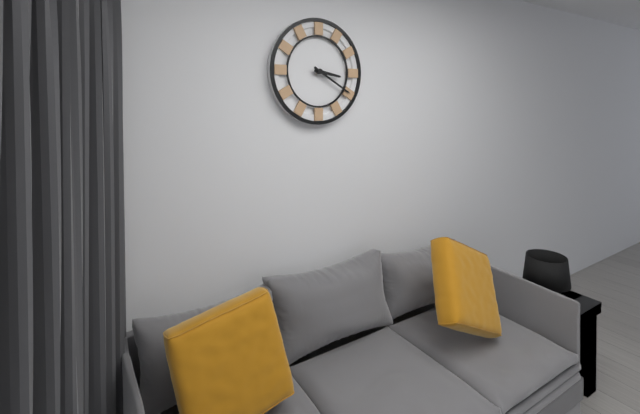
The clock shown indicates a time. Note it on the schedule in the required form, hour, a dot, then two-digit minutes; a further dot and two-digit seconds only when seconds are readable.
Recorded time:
3.20
